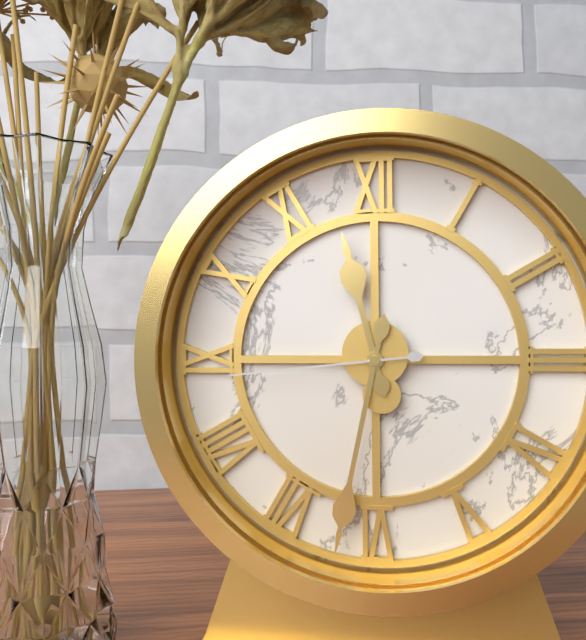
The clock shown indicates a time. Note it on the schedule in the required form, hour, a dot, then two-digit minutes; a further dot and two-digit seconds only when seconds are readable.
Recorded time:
11.32.44
